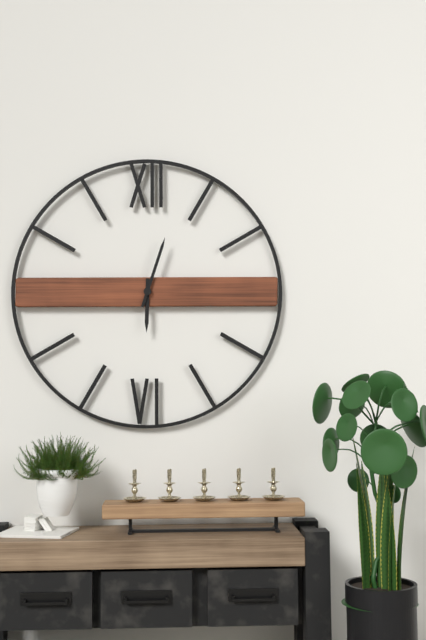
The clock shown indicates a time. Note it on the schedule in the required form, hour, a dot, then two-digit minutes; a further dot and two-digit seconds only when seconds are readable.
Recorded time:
6.03
